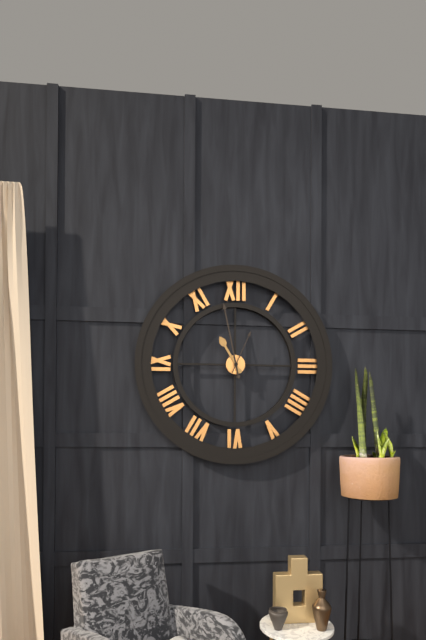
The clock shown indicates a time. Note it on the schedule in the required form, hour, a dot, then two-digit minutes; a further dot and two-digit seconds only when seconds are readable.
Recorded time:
10.58
